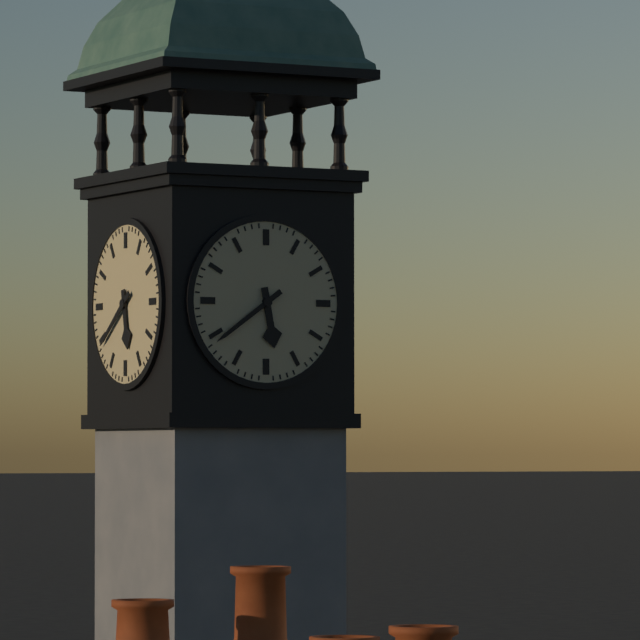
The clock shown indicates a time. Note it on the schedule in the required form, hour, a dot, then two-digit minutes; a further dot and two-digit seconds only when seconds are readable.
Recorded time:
5.39
